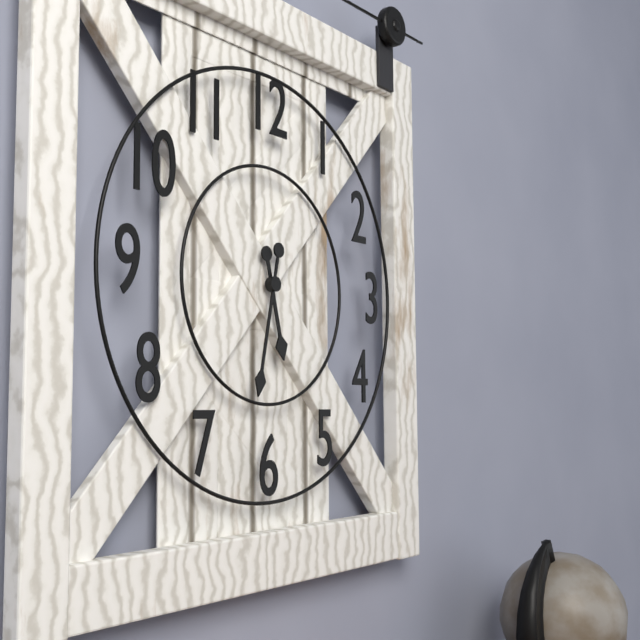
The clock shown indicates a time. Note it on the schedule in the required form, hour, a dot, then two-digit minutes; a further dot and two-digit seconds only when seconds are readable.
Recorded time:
5.32
